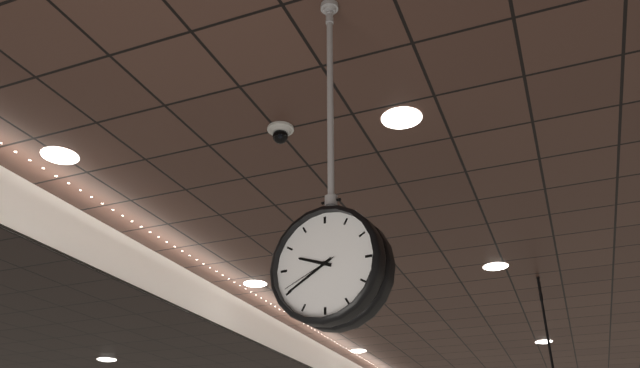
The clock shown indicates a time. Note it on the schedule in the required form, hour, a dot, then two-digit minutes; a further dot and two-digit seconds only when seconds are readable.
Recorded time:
9.40.41
